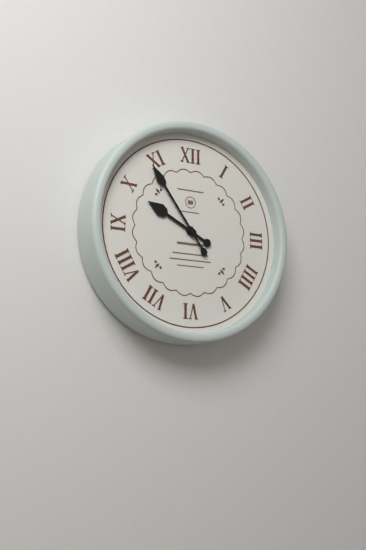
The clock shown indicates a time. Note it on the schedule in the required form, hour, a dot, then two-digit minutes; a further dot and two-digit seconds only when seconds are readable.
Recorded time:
9.54
